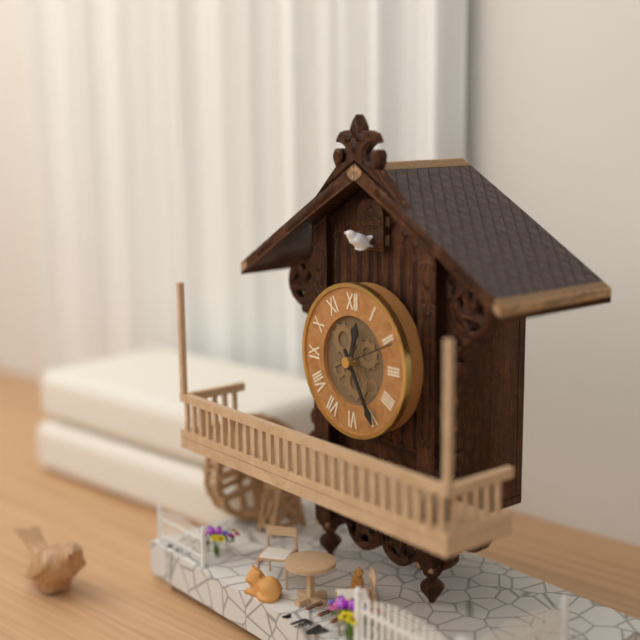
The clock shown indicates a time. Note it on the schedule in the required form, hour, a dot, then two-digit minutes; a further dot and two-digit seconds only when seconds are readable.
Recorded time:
12.25
